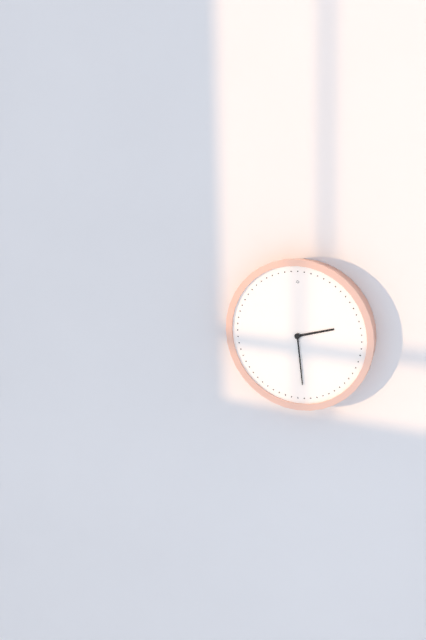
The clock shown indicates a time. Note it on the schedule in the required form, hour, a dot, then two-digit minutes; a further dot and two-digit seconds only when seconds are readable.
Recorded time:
2.29
